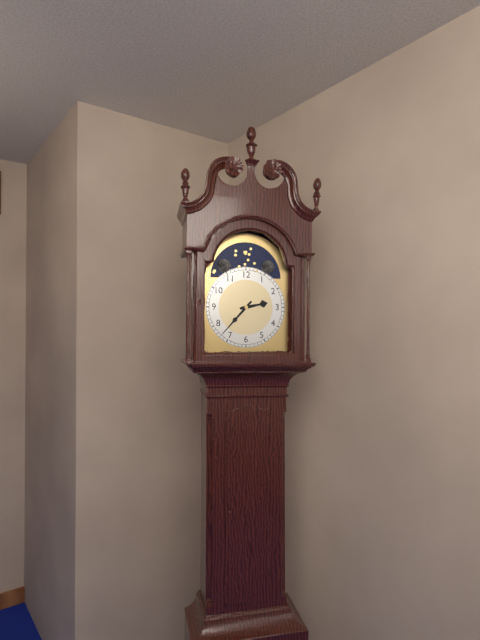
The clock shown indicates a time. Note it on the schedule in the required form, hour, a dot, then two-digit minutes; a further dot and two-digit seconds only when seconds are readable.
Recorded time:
2.37
